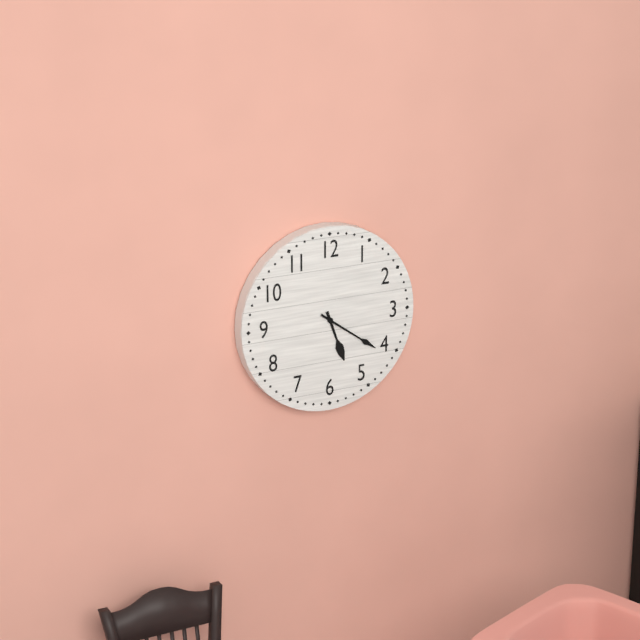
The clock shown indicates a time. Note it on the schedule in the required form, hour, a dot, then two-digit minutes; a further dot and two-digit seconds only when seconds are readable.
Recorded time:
5.21
